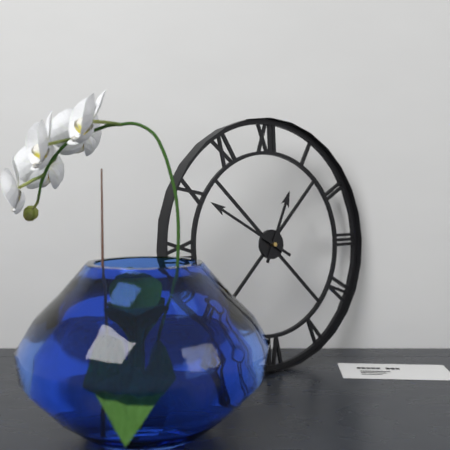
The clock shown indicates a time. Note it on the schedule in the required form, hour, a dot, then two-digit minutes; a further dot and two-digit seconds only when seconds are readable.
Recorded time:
12.50
